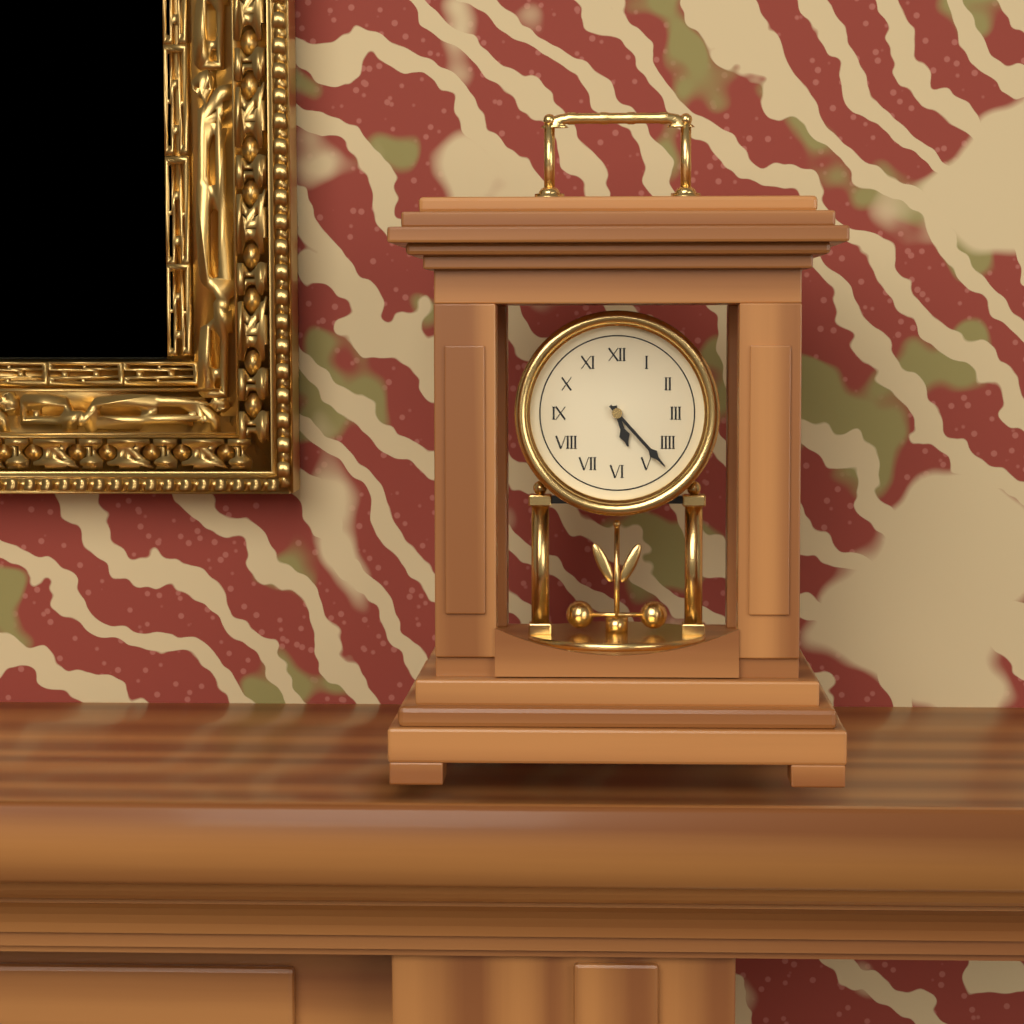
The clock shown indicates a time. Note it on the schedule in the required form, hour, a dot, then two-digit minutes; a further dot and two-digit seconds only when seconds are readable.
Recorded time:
5.23
